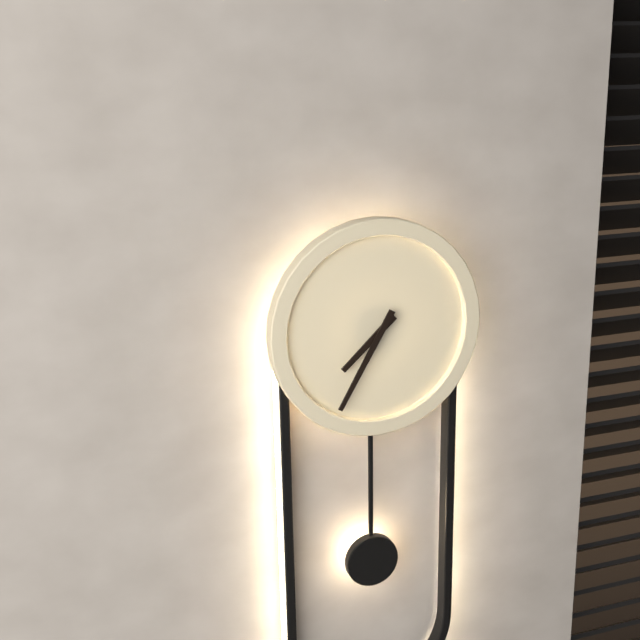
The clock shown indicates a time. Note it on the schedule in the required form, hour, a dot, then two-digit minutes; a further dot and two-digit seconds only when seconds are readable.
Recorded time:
7.35
